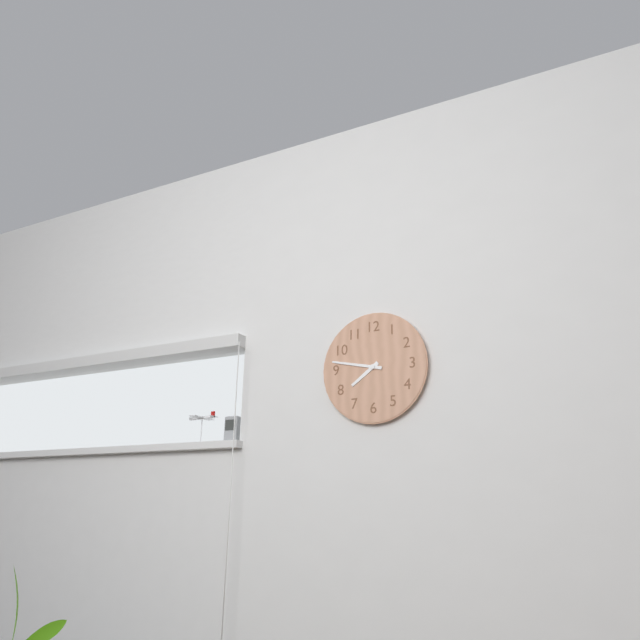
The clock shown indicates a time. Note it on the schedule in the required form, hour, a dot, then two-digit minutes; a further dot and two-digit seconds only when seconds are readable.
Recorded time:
7.47
